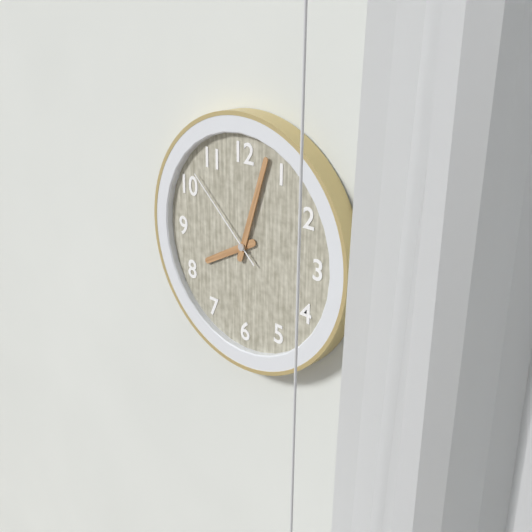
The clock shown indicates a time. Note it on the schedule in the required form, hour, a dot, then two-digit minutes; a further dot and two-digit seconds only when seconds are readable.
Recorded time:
8.03.52
